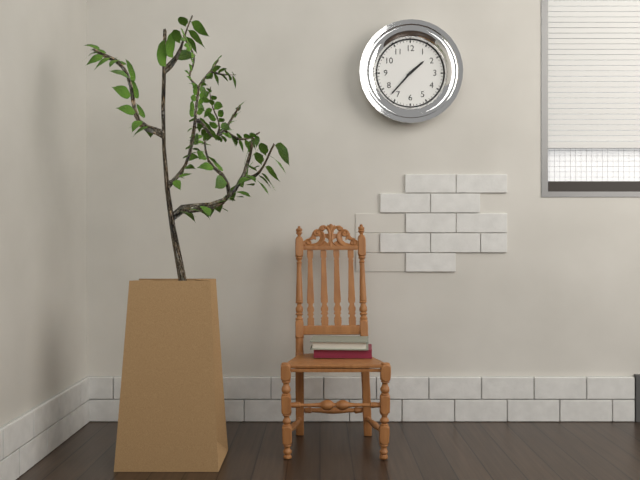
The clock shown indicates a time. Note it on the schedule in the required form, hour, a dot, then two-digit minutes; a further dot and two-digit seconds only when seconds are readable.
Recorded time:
1.37
